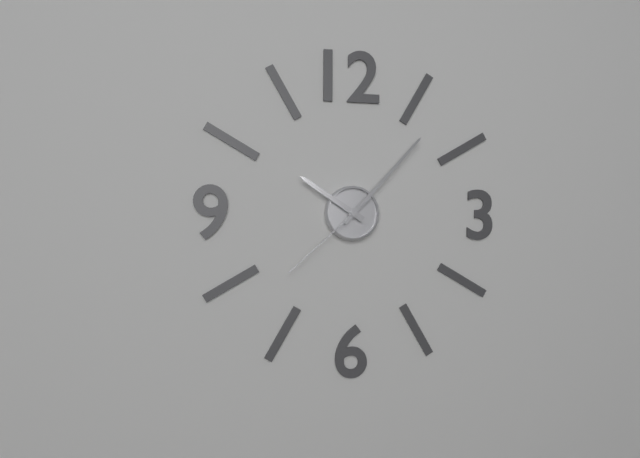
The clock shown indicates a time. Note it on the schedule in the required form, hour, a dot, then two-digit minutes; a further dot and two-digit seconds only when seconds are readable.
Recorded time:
10.07.38
